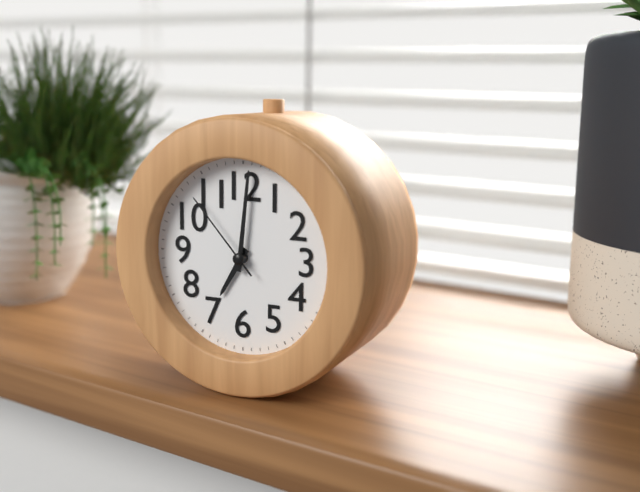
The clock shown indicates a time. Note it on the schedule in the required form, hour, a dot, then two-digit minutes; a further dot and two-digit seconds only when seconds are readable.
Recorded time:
7.01.53
